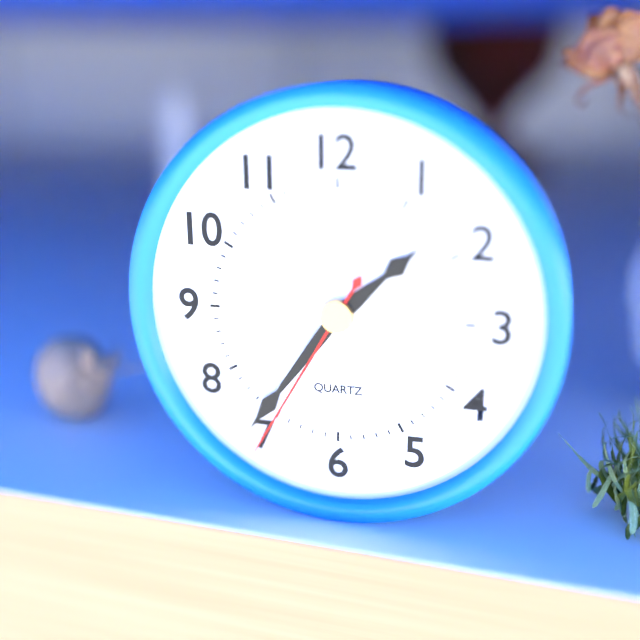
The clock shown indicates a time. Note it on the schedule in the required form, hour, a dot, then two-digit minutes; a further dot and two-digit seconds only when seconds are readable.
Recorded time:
1.36.35
